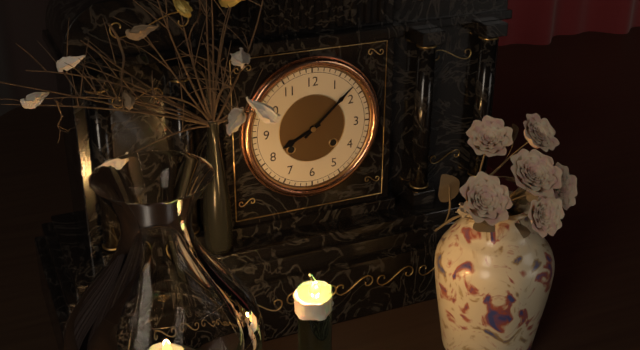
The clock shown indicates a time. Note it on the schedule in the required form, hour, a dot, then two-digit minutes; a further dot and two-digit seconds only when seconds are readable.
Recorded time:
8.08
